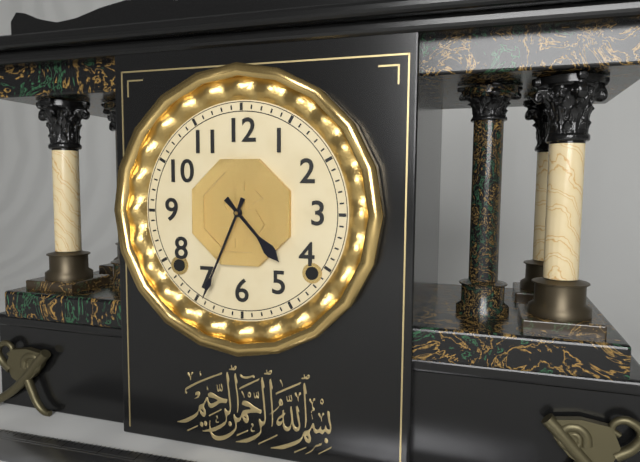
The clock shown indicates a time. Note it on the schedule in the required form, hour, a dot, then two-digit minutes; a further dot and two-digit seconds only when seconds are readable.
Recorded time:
4.34
